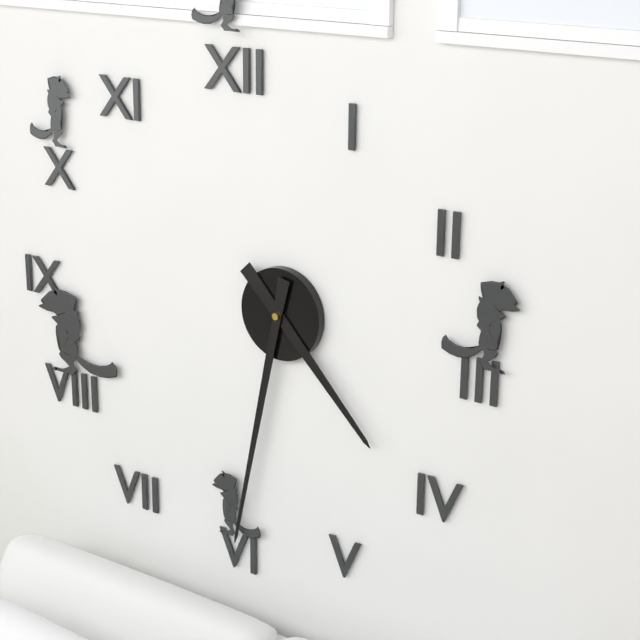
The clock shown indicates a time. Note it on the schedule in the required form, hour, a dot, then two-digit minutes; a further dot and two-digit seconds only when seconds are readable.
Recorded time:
4.32
